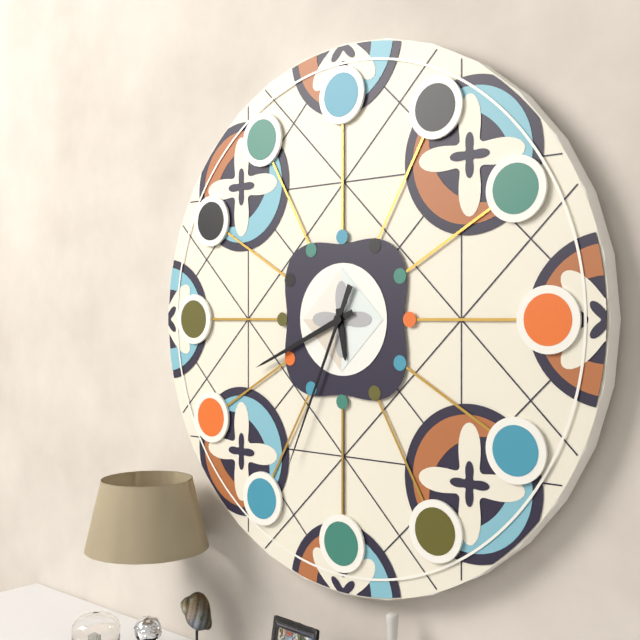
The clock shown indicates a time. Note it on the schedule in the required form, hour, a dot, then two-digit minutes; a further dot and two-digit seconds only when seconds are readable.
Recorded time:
5.41.34
